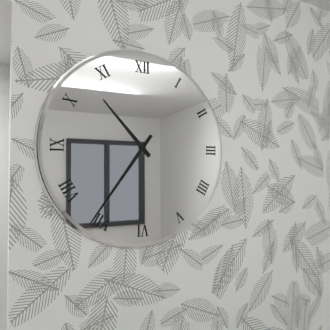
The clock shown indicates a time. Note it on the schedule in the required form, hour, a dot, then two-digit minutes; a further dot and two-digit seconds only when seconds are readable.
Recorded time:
10.36
